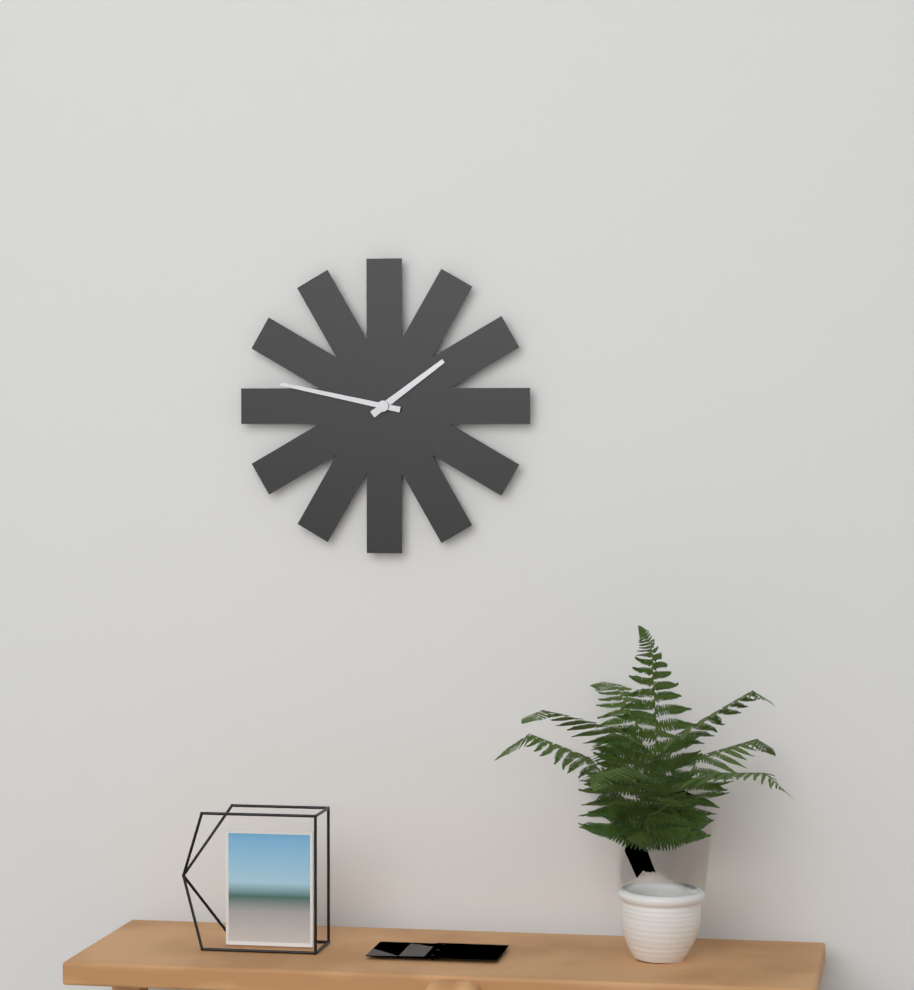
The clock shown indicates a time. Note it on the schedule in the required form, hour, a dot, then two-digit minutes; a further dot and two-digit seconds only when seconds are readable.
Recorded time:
1.47
